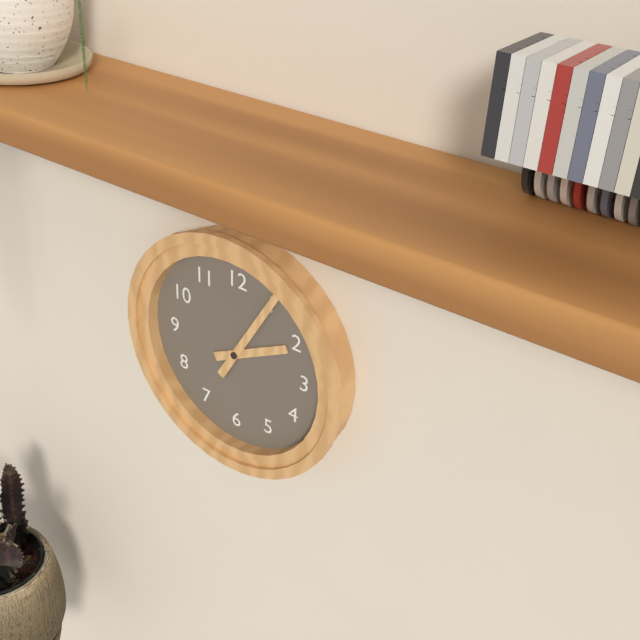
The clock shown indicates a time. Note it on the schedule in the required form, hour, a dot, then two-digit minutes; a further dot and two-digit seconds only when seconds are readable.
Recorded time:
2.05
